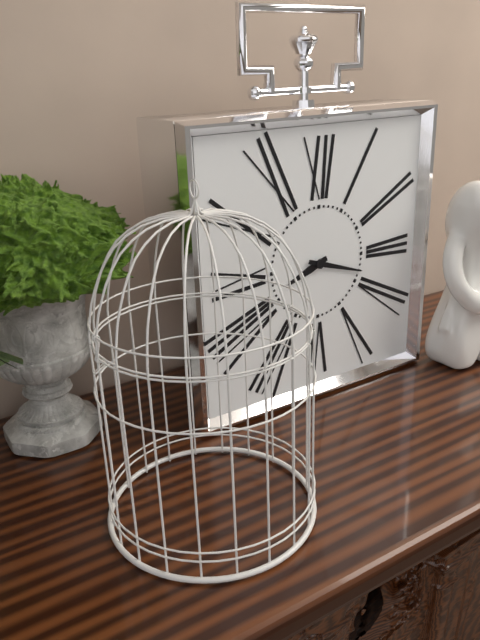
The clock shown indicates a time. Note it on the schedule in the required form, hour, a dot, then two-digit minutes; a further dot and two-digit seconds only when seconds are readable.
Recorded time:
8.18
